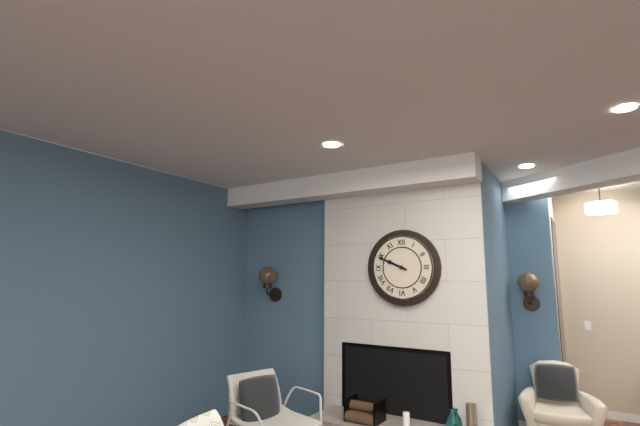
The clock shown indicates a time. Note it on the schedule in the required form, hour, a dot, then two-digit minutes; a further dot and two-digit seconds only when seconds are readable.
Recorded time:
9.49
